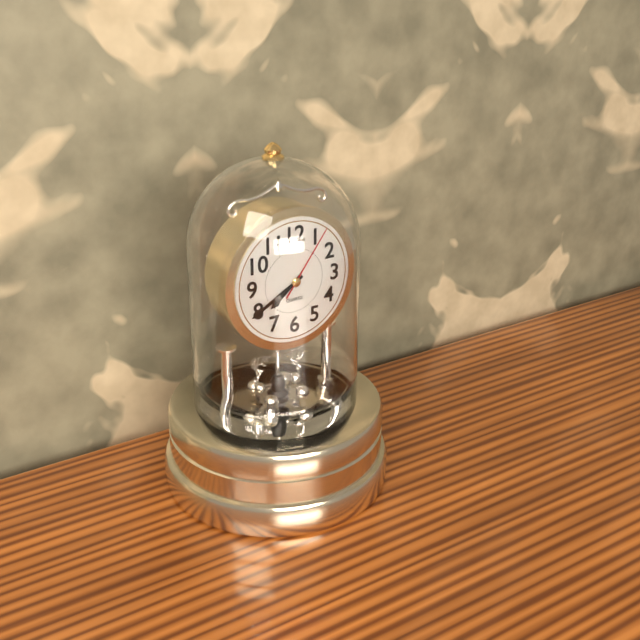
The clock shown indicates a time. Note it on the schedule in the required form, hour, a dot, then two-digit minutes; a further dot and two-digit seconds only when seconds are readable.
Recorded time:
7.40.06
